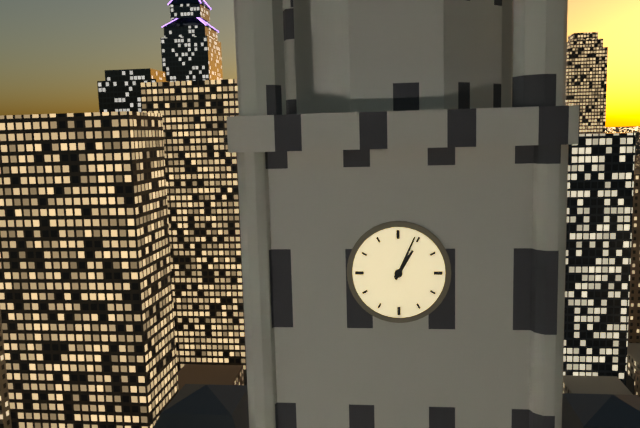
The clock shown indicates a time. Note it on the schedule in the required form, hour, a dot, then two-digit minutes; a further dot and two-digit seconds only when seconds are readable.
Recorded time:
1.04
